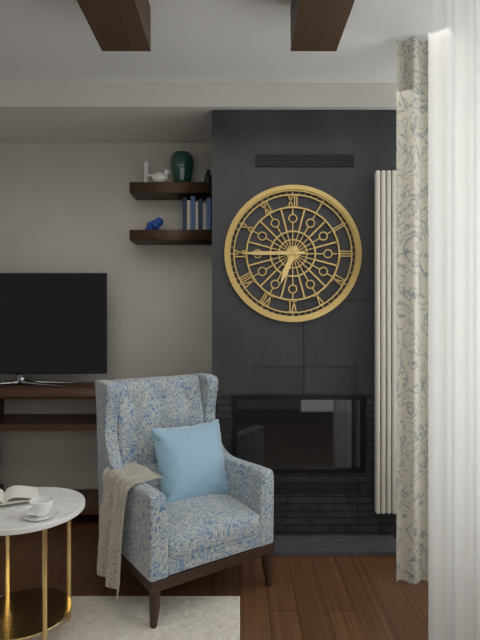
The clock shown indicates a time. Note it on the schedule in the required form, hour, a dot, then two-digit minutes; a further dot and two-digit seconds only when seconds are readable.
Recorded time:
6.45
